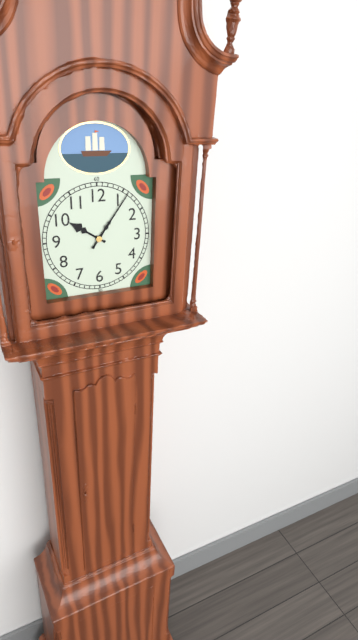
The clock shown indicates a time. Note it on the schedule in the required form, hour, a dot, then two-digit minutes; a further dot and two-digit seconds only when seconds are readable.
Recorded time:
10.06
